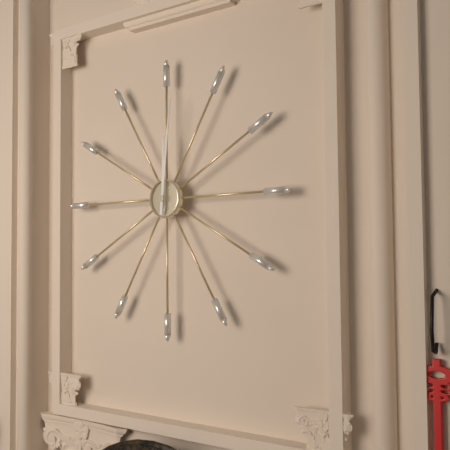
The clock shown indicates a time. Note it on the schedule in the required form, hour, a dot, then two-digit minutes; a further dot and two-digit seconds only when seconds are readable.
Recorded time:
12.01
